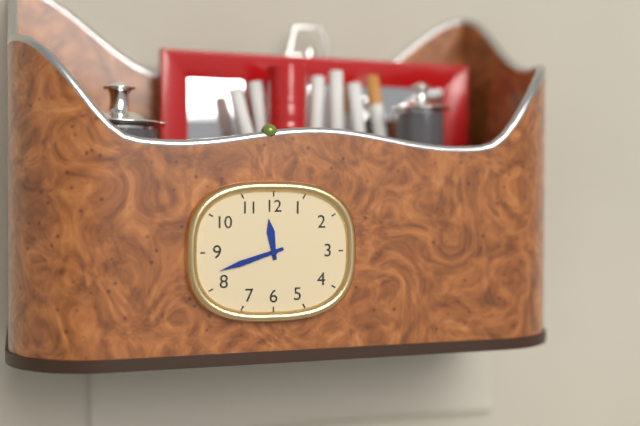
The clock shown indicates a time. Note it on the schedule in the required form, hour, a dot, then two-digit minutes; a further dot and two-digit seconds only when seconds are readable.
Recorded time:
11.42
